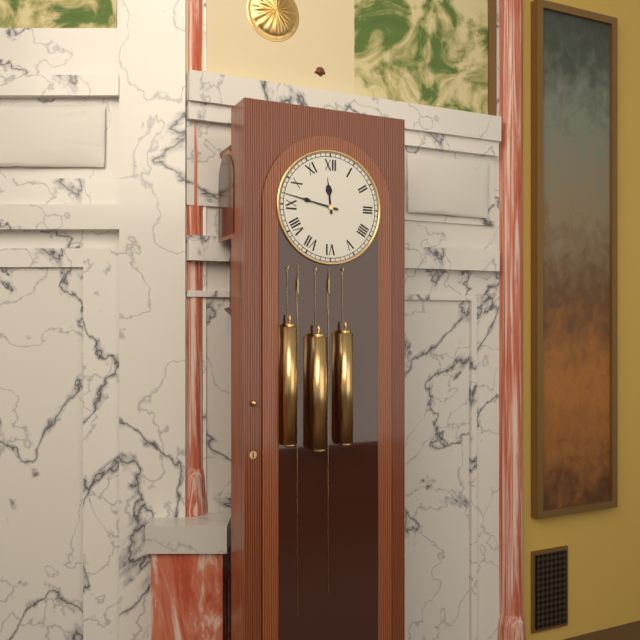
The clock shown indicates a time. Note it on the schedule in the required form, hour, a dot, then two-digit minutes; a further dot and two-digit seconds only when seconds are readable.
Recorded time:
11.47
